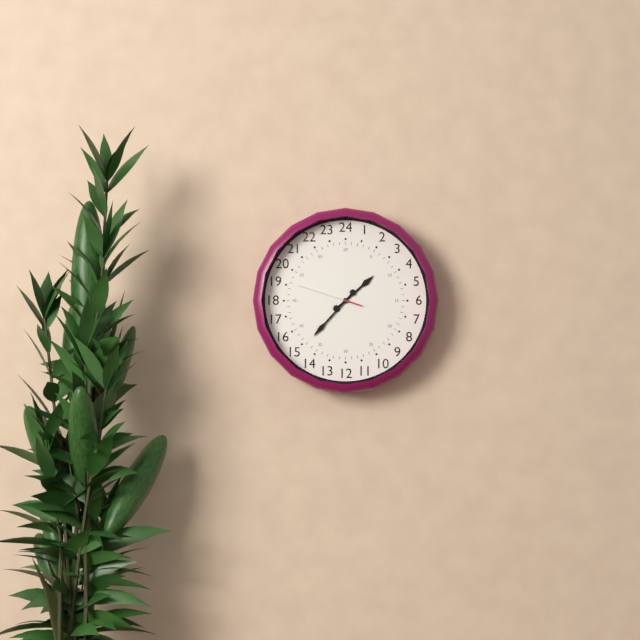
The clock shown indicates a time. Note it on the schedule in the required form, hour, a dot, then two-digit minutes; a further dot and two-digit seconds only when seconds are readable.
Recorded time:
1.37.48
